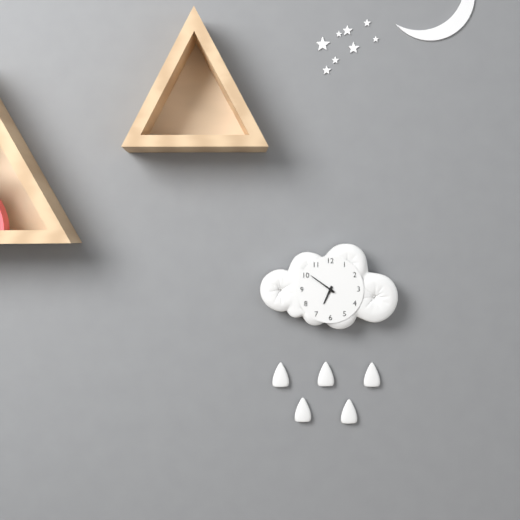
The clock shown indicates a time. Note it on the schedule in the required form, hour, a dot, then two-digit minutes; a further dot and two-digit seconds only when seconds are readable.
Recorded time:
6.51
